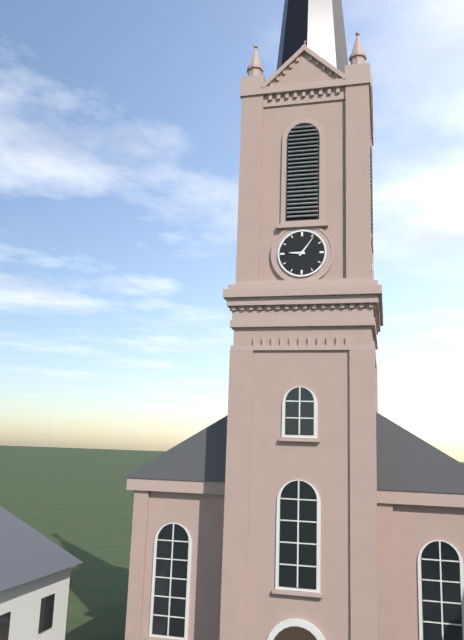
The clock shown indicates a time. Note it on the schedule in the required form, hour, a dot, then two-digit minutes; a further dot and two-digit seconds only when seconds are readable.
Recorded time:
9.06
